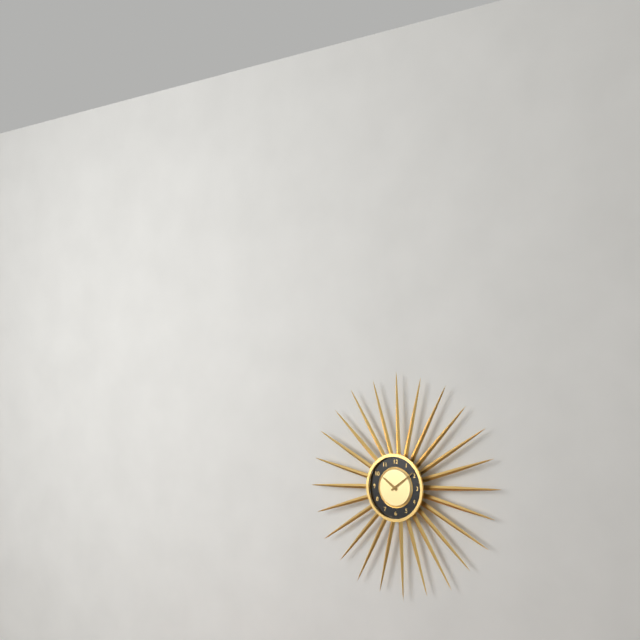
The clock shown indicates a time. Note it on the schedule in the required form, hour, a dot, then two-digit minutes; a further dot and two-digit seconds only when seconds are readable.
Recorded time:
10.09
